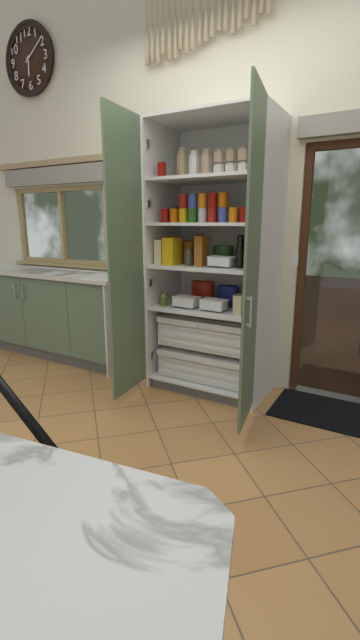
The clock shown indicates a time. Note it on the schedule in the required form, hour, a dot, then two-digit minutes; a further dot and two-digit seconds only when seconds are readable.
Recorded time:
6.09
